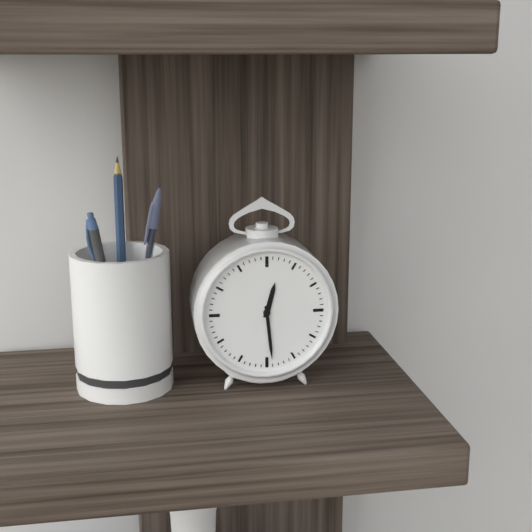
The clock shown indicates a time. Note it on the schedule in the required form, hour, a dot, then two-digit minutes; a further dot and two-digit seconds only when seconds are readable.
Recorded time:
12.29
